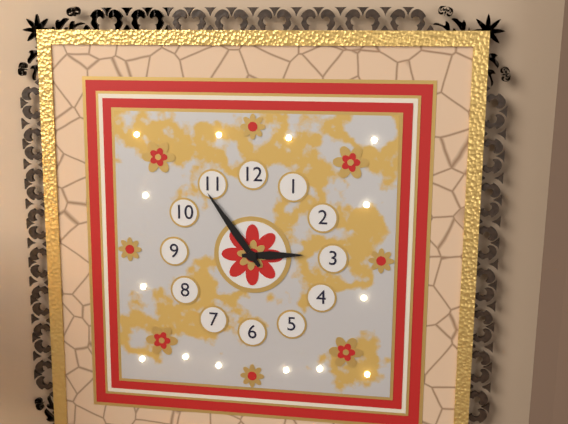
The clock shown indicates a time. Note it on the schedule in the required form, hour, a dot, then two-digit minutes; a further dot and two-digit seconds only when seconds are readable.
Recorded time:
2.54
